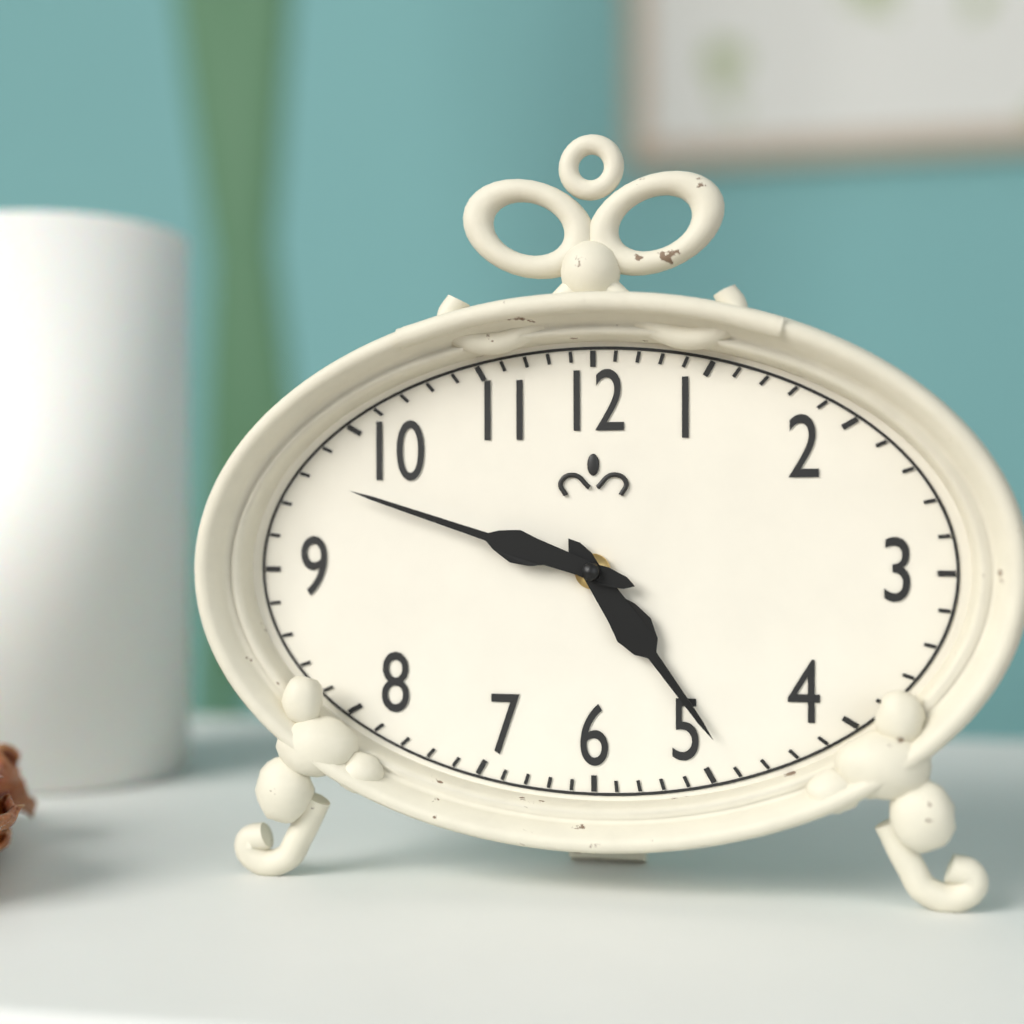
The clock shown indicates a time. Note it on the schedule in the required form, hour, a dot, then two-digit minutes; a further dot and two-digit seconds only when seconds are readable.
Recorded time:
4.48
